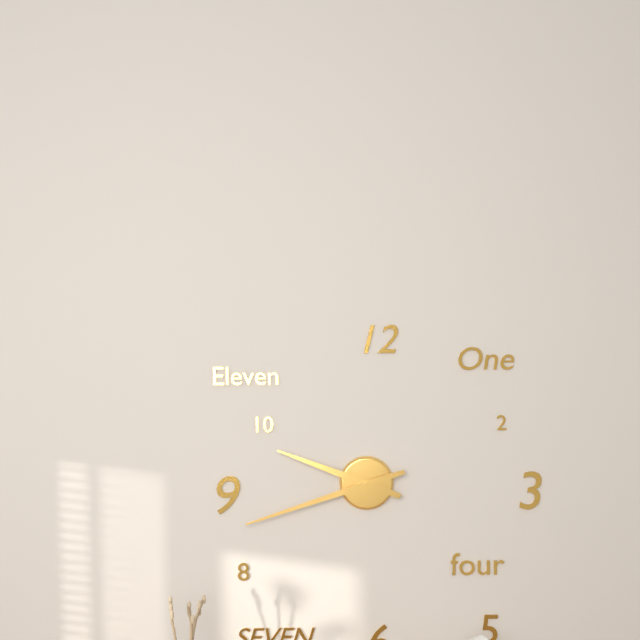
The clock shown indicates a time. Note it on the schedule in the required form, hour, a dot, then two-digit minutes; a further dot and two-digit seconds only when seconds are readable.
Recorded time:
9.42
